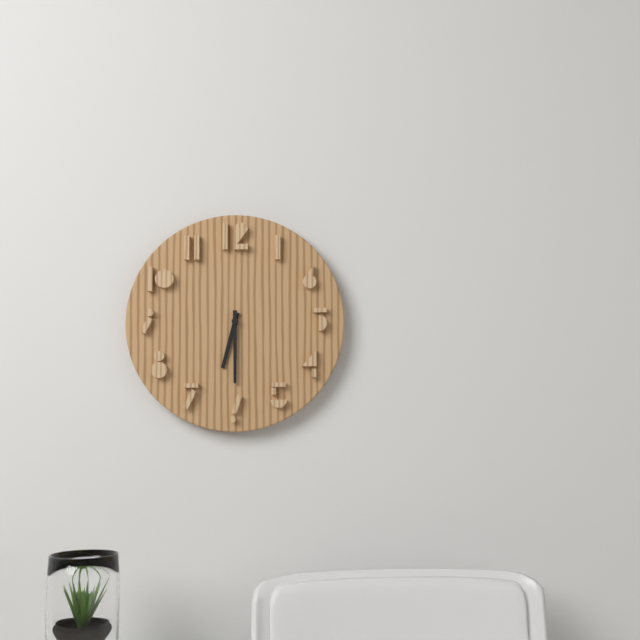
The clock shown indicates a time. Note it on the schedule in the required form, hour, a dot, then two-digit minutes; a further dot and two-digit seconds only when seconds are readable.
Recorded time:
6.30
